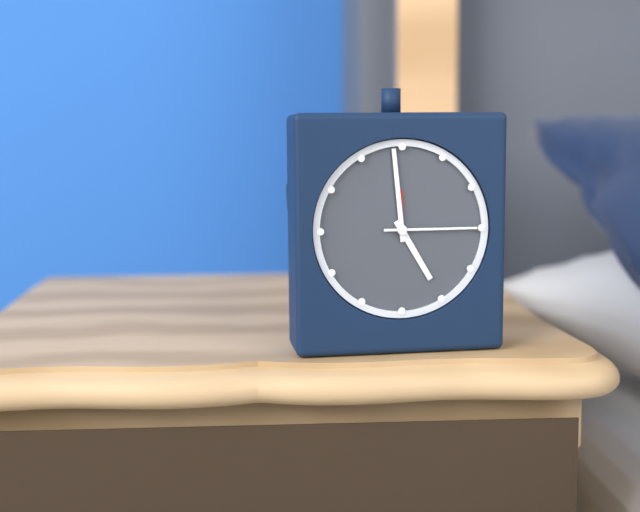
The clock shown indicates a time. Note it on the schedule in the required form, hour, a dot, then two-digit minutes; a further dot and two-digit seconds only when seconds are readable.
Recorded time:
4.59.15
